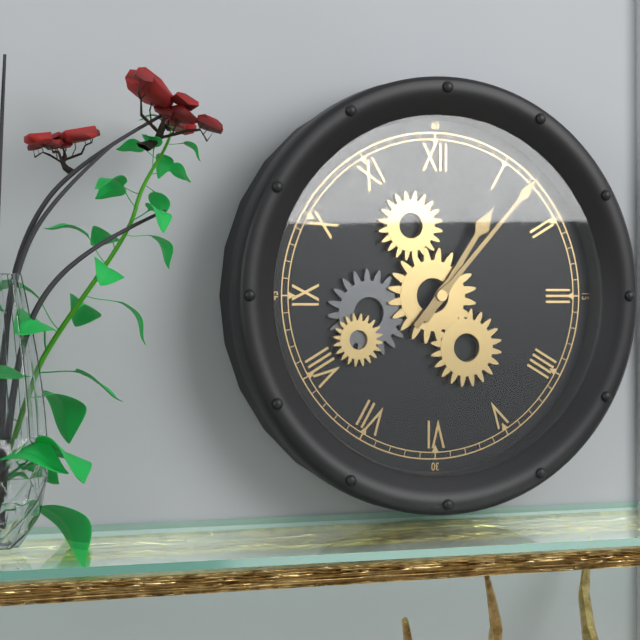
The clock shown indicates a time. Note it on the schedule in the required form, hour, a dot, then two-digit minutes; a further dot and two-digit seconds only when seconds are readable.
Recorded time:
1.07
